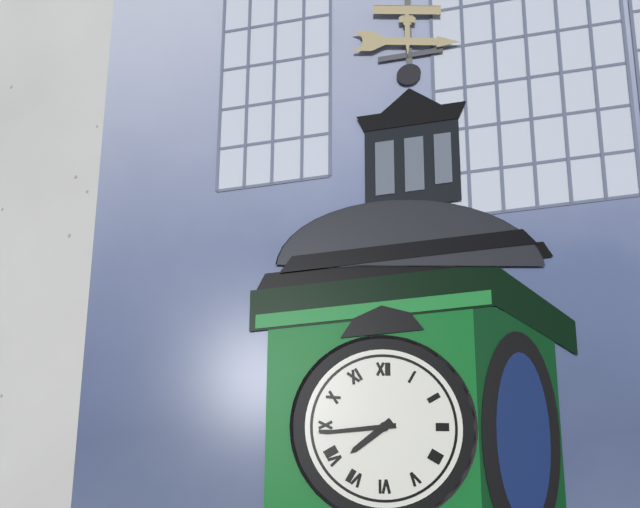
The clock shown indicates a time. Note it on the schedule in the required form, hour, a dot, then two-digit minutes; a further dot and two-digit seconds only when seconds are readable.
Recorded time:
7.44
